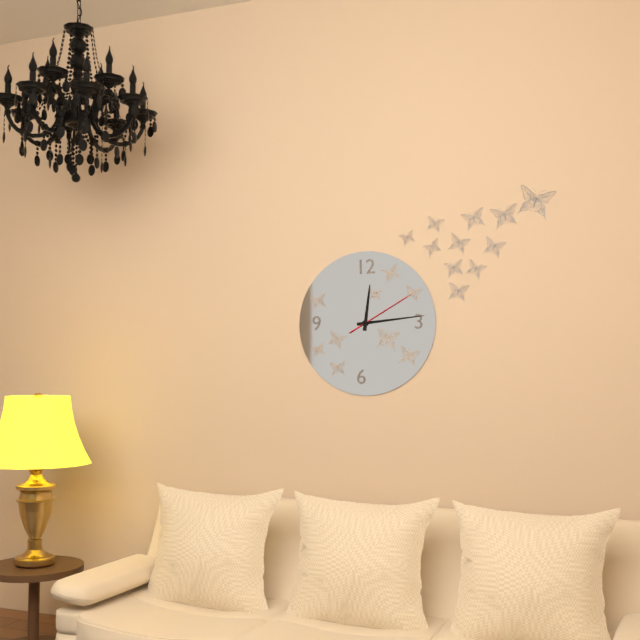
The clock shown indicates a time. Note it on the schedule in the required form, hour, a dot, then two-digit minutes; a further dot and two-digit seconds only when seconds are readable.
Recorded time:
12.14.10
